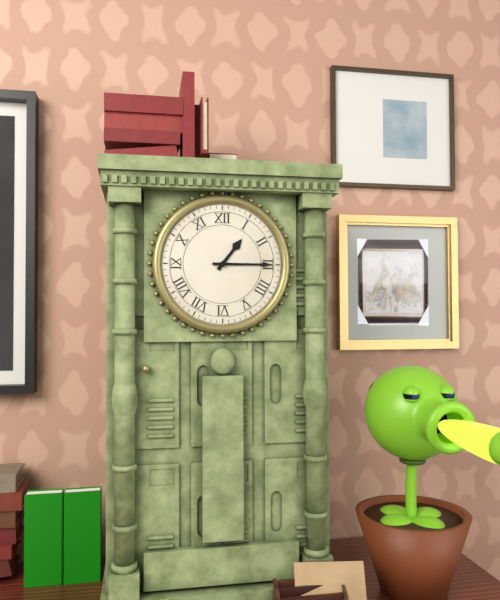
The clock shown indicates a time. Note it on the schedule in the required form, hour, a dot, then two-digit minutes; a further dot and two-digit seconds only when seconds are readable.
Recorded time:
1.15
